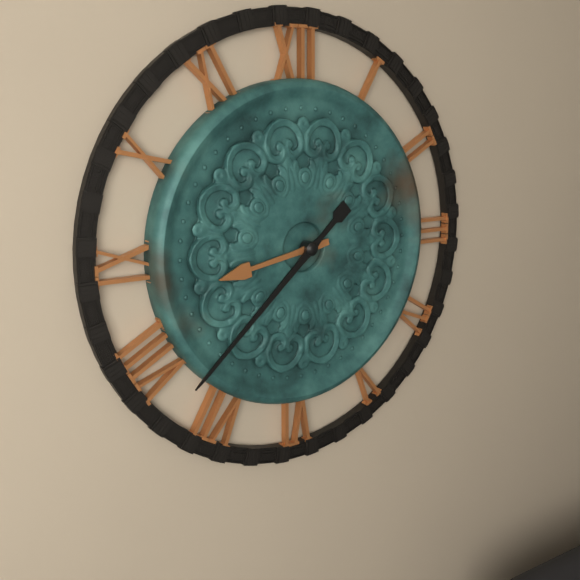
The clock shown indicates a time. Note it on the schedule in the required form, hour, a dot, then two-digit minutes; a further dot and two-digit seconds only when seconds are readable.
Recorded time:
8.38
